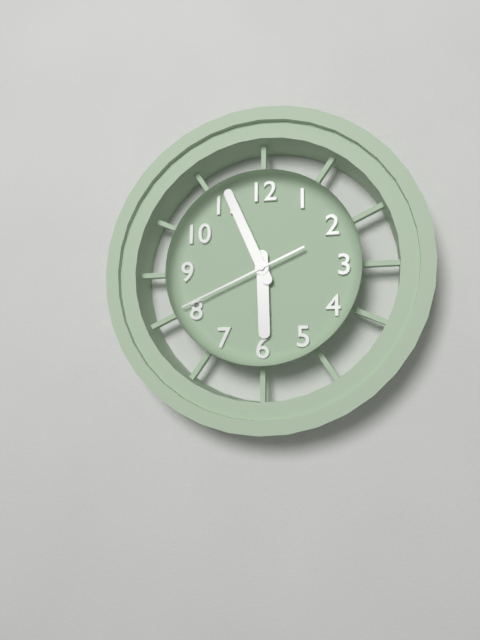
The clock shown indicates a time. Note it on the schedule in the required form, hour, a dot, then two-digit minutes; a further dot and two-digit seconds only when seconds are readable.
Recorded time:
5.56.41
